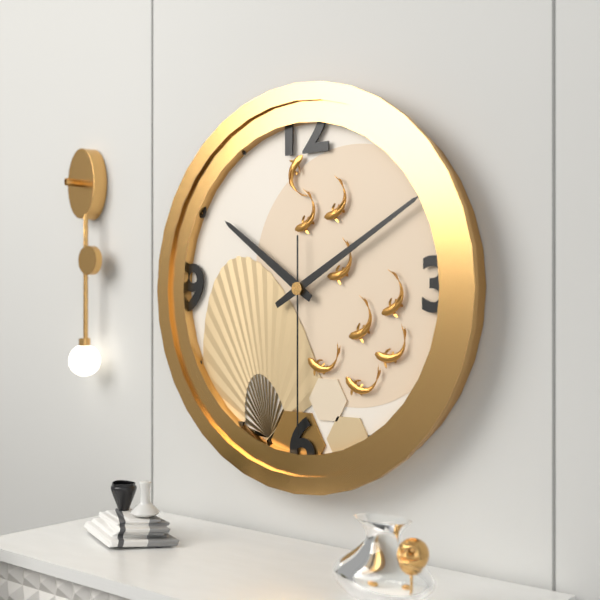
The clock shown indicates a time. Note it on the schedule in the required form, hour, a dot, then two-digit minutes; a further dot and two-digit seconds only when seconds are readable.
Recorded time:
10.10.30
